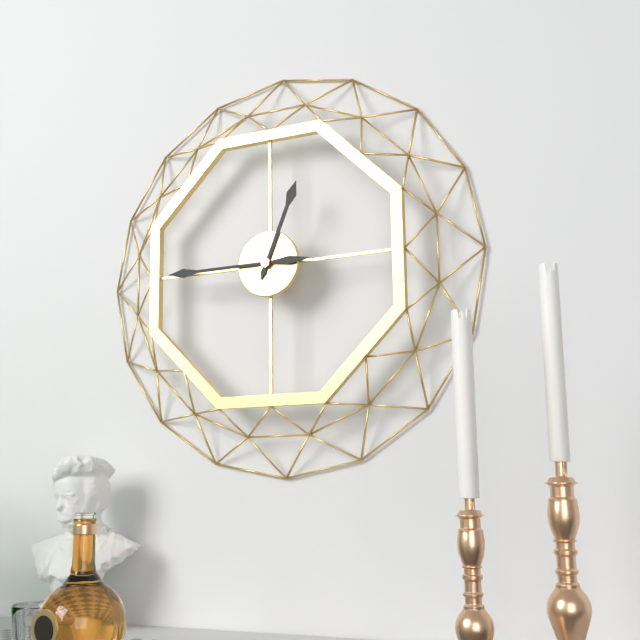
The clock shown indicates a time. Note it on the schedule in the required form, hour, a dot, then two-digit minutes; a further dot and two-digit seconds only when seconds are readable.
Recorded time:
12.45
